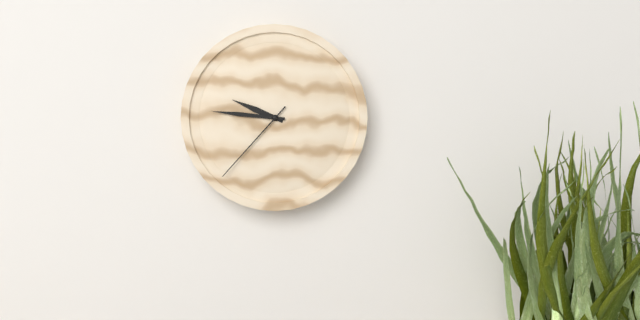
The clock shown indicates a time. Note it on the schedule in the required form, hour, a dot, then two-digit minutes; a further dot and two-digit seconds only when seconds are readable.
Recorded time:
9.46.37
